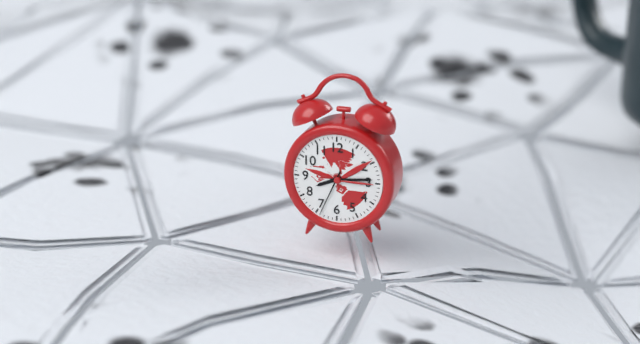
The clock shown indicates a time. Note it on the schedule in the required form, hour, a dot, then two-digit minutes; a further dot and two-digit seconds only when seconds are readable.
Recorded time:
8.14
